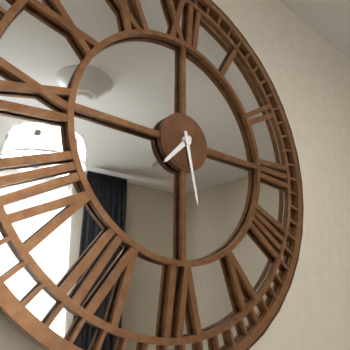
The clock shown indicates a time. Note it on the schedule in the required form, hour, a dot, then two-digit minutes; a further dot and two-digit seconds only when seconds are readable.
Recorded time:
7.28
